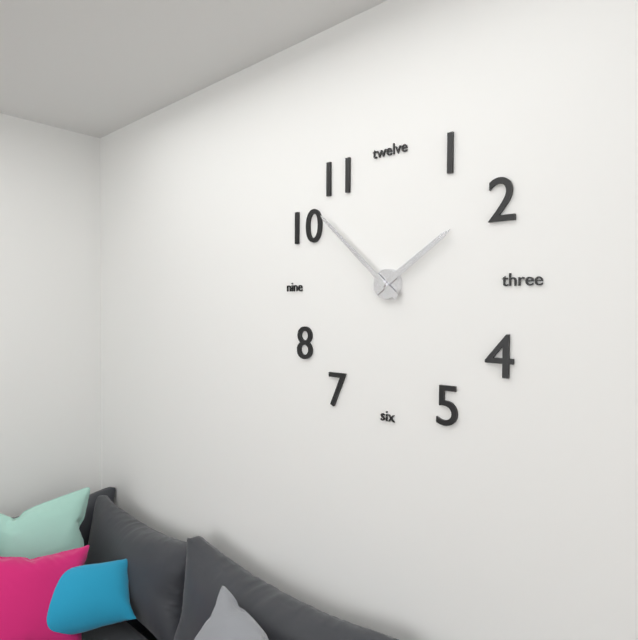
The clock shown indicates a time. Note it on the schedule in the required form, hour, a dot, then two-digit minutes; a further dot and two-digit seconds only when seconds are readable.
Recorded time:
1.52
